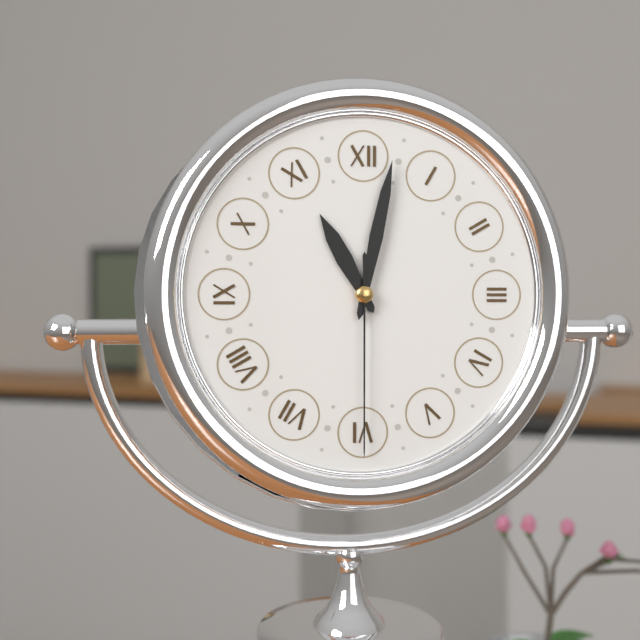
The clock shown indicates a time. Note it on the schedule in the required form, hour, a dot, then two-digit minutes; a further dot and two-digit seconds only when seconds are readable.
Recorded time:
11.02.30
